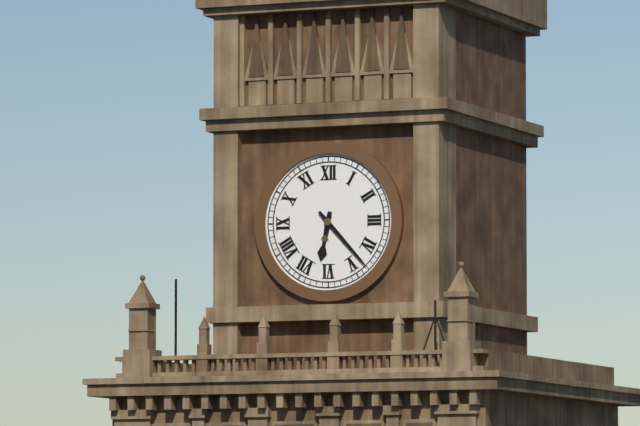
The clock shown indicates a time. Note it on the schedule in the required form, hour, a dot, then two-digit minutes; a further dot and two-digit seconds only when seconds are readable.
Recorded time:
6.23
